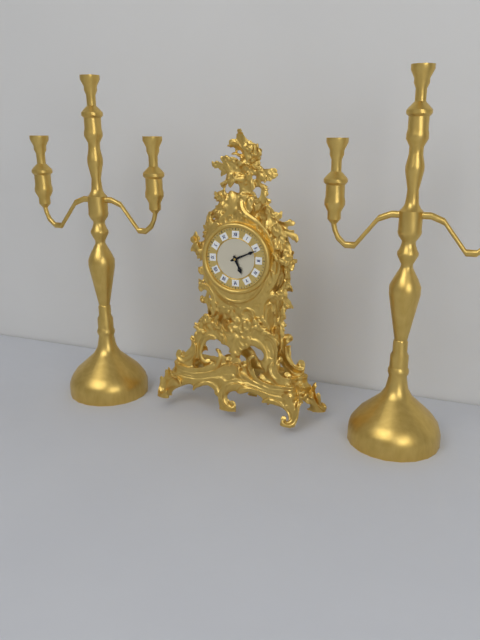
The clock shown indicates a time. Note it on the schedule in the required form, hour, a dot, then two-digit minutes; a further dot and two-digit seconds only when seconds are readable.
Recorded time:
5.11
